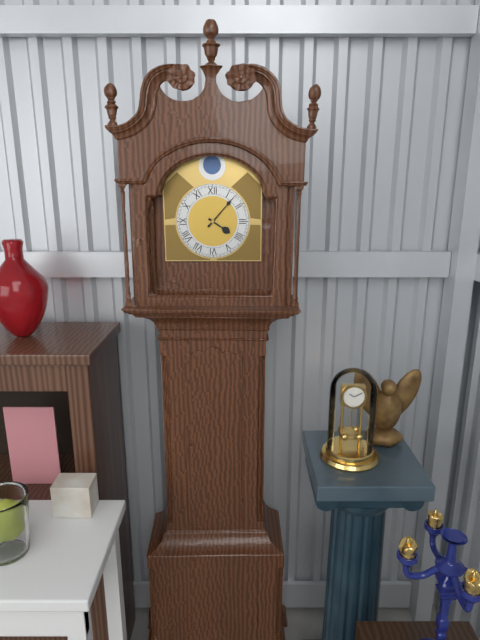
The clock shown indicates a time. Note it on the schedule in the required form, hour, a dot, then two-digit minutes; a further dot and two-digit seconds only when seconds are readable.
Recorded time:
4.07
